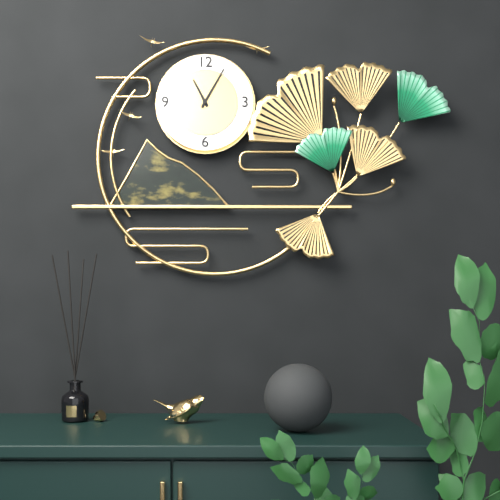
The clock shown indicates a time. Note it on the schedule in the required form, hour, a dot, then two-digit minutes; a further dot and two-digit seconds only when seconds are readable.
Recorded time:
11.05
